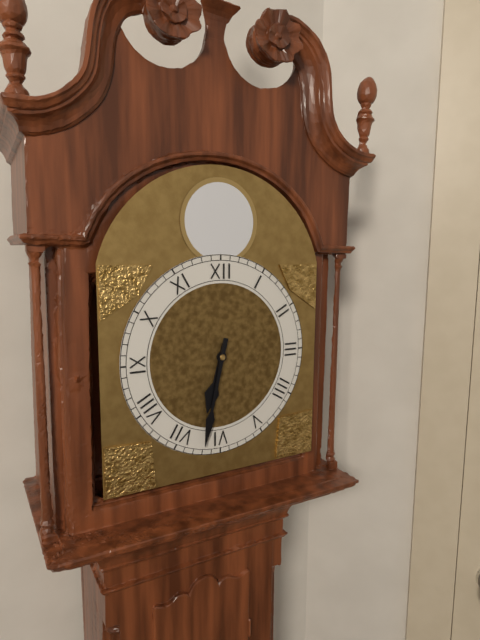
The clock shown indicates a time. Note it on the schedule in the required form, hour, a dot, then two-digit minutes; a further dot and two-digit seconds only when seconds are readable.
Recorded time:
6.32
